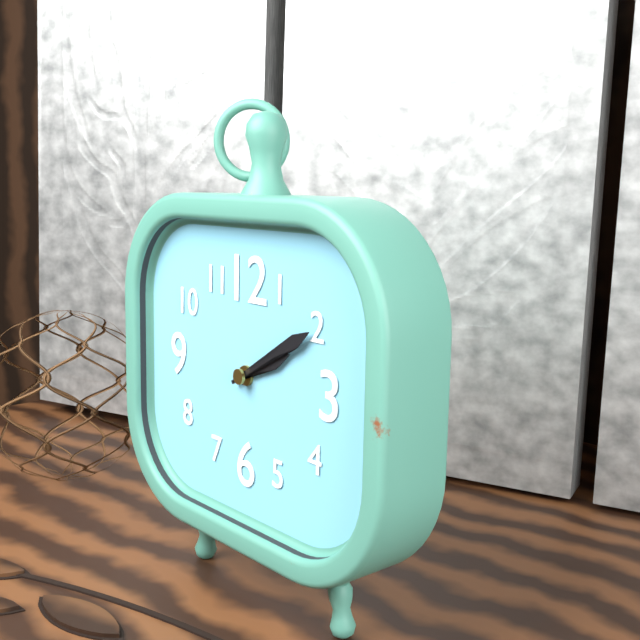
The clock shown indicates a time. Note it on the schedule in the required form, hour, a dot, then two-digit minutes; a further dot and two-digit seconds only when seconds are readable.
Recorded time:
2.10
